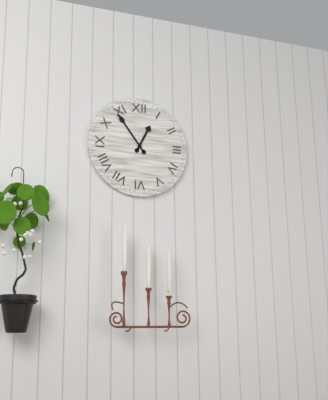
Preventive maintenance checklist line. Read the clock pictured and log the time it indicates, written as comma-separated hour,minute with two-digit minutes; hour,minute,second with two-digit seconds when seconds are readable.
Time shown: 12,54
